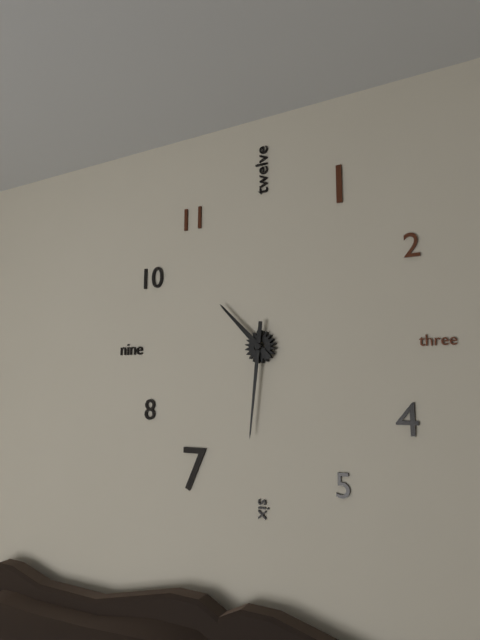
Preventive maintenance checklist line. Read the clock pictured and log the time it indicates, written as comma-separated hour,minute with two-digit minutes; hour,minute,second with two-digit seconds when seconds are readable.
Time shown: 10,31
